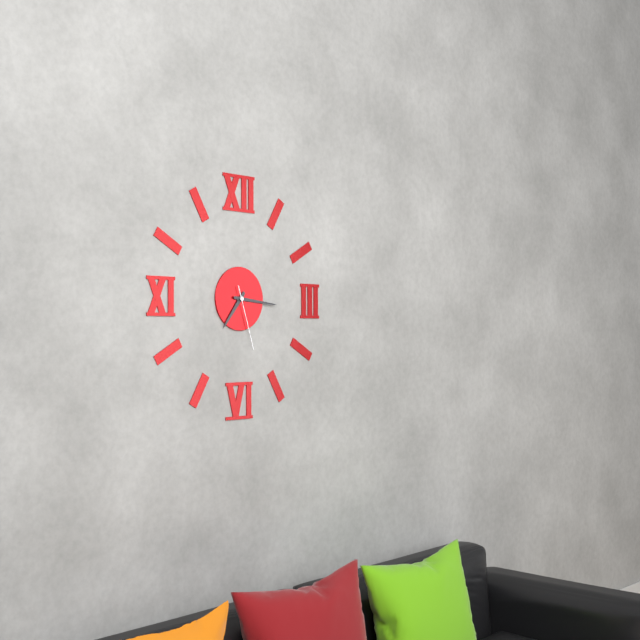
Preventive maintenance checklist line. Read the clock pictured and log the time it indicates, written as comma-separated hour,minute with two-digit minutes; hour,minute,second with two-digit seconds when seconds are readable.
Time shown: 7,16,27
